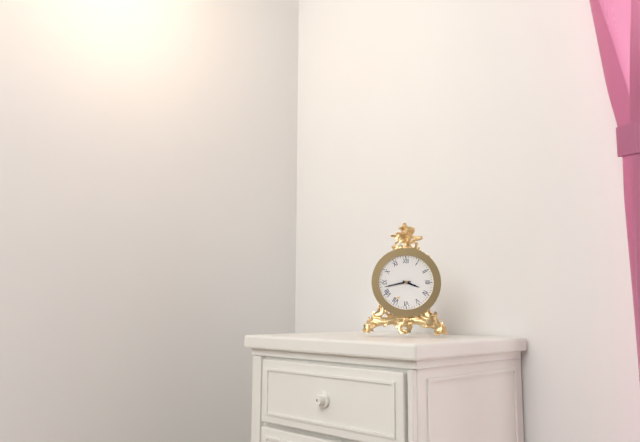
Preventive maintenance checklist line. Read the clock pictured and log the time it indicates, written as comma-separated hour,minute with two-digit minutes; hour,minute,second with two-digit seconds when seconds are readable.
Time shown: 3,43
